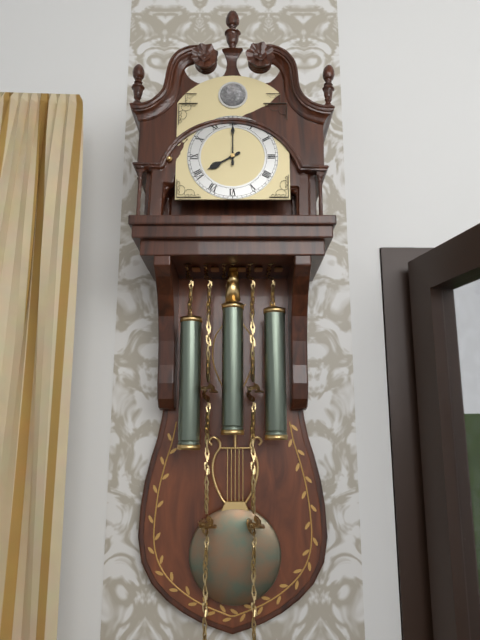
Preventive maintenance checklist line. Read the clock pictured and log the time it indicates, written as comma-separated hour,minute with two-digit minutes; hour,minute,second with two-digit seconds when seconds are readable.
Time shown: 8,00
